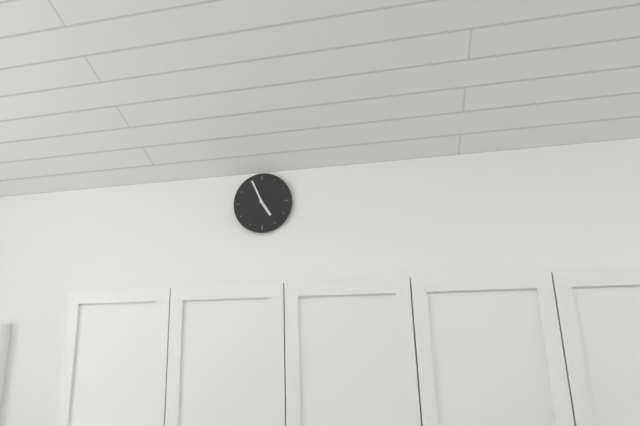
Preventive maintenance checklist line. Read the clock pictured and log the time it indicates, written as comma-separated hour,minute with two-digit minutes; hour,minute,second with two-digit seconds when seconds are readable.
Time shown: 4,56
